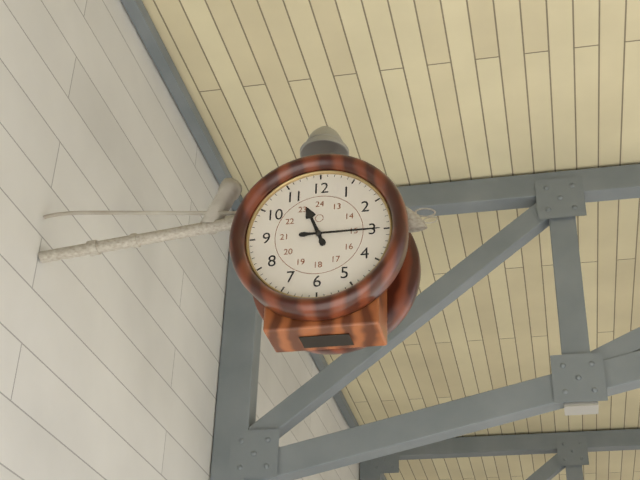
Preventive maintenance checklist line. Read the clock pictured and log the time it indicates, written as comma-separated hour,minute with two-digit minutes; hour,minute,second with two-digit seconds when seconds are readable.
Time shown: 11,15
